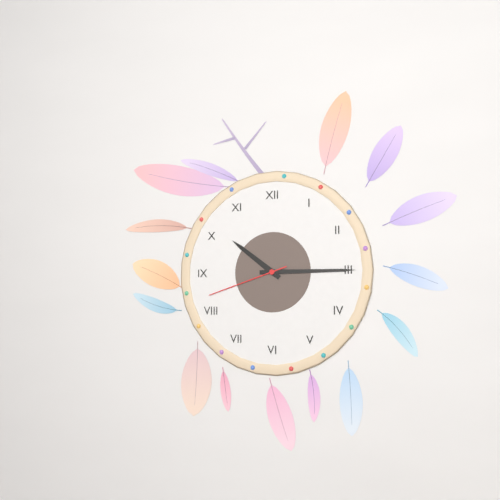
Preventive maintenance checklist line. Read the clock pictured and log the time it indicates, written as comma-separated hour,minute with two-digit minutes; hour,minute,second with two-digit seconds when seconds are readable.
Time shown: 10,15,42
